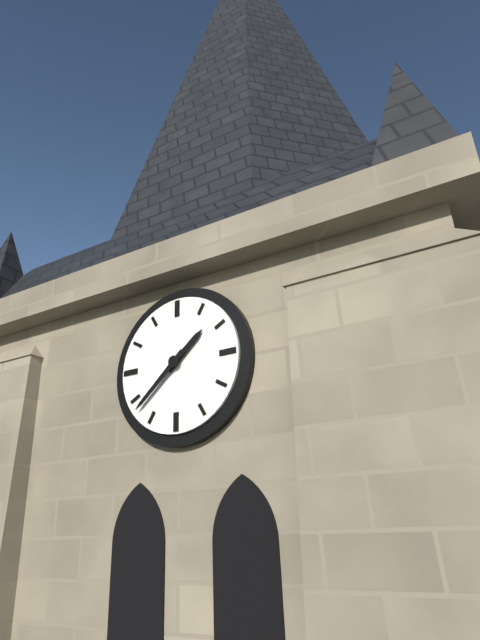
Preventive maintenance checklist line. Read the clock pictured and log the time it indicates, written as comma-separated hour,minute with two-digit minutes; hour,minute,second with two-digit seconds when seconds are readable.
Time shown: 1,38
